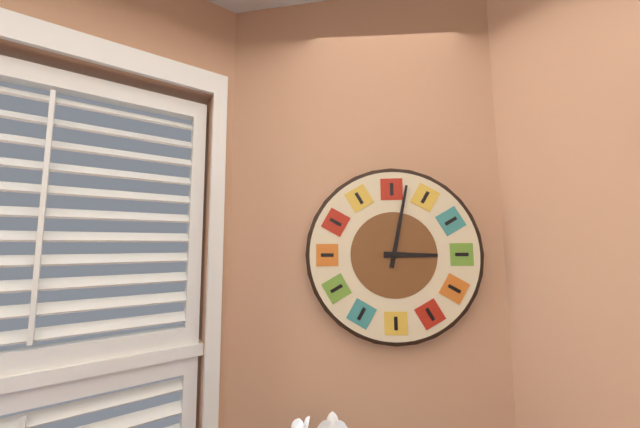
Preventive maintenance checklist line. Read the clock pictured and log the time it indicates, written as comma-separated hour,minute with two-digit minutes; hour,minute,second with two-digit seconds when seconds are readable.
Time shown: 3,02
